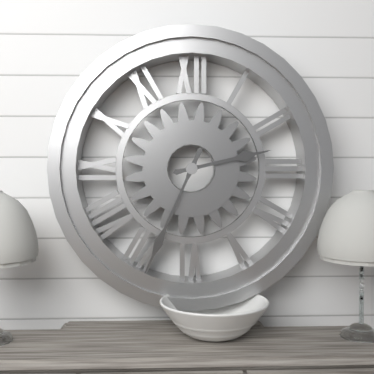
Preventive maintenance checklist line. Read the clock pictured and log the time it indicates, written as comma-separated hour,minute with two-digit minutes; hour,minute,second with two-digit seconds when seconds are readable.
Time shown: 2,34
